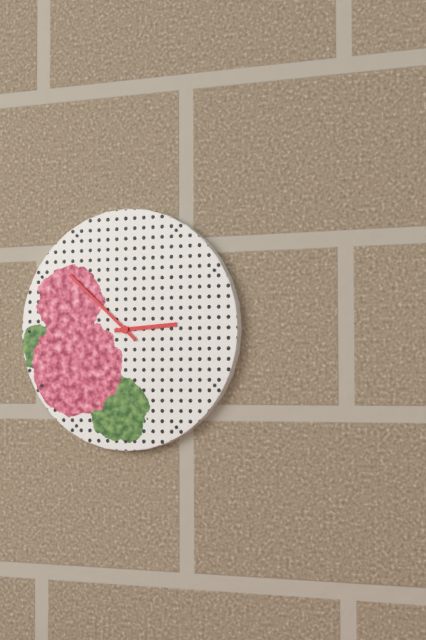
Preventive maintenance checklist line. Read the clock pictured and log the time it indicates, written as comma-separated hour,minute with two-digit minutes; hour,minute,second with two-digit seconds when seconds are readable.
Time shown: 2,52
